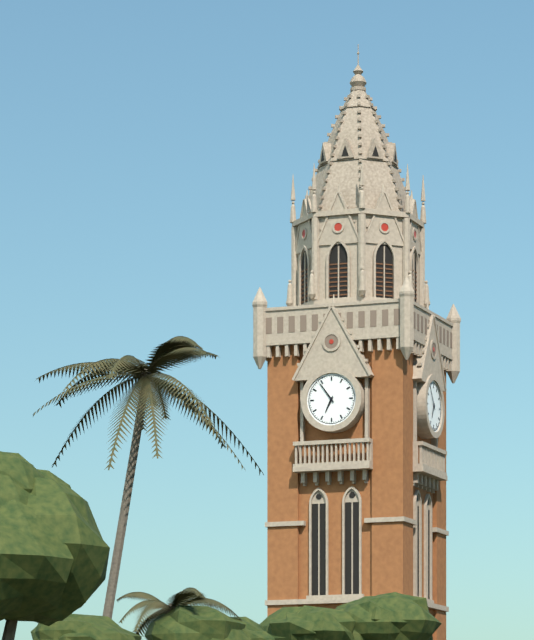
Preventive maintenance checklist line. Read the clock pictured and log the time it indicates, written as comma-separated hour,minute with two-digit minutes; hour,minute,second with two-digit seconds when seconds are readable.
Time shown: 6,54
